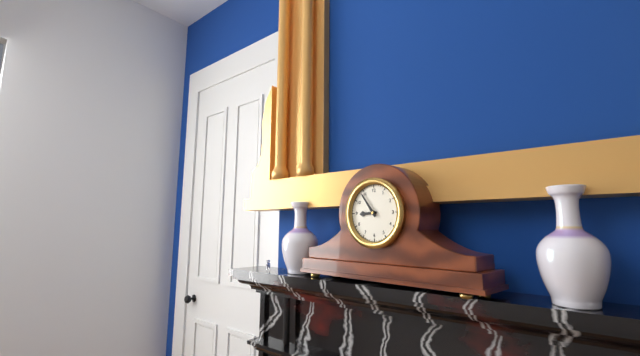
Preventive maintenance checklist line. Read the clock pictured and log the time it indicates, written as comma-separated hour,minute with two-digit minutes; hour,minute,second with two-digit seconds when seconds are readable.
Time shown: 8,54
